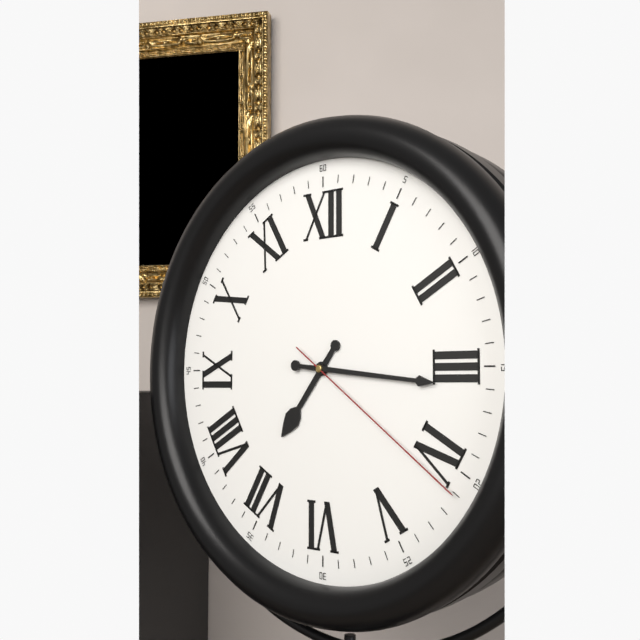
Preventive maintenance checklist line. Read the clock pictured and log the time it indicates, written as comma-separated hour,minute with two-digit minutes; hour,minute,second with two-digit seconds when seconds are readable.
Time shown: 7,16,21
